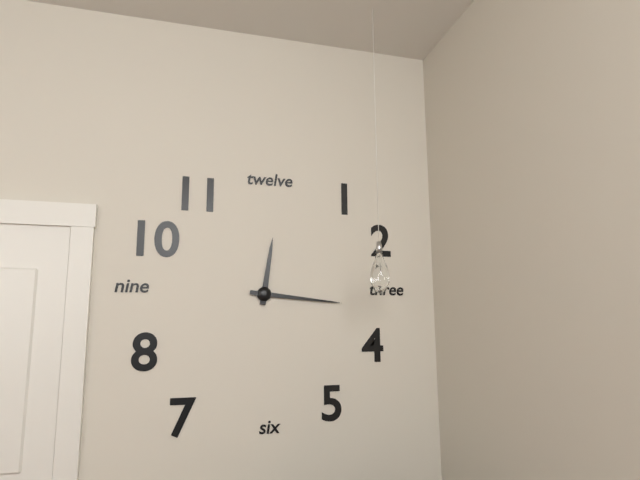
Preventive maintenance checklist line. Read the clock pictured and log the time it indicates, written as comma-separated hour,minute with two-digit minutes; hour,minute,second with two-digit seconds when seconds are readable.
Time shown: 12,16
